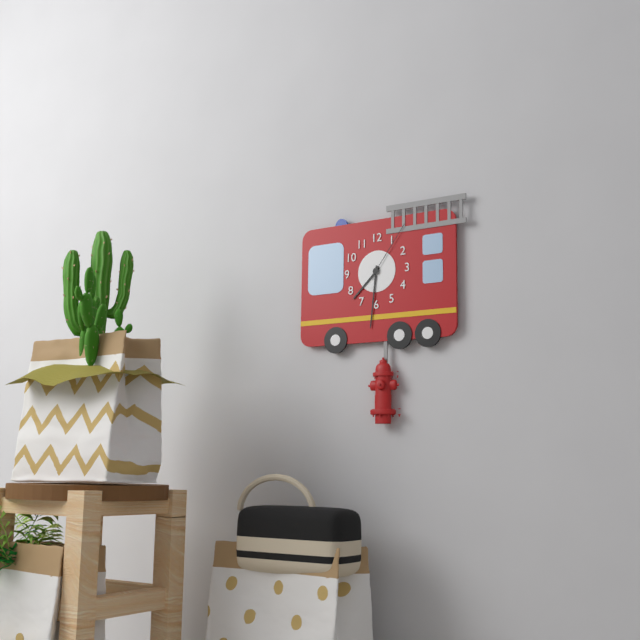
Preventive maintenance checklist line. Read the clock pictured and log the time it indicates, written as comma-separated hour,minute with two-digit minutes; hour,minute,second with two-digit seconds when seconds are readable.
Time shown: 7,31,06
